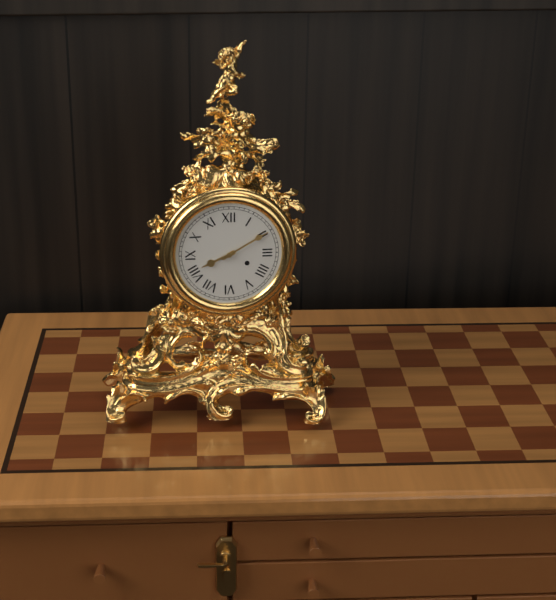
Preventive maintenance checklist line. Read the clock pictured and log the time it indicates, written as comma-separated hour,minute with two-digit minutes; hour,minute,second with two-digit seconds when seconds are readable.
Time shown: 8,10
